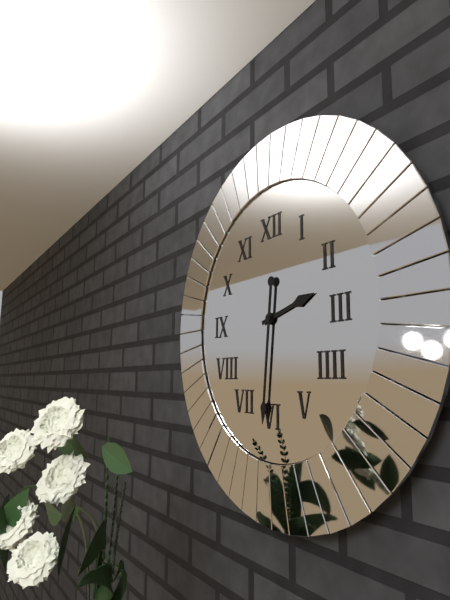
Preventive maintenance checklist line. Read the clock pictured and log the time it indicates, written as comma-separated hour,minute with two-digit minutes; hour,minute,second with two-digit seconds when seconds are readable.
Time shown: 2,31
